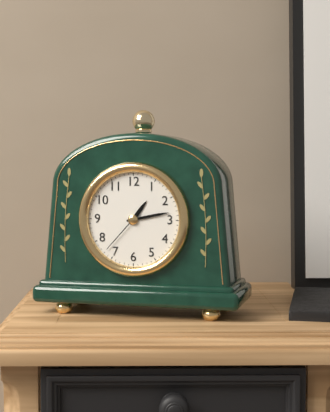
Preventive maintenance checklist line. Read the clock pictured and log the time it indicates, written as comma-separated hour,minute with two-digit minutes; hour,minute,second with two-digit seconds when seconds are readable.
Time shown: 1,13,37
